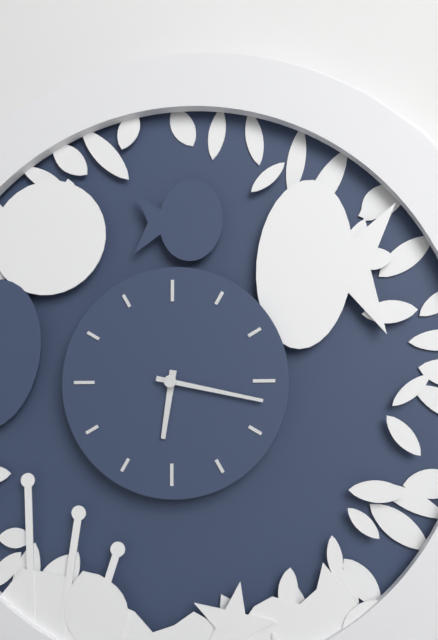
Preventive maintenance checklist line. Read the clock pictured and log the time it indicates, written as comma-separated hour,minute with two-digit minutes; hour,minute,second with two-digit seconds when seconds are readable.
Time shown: 6,17
